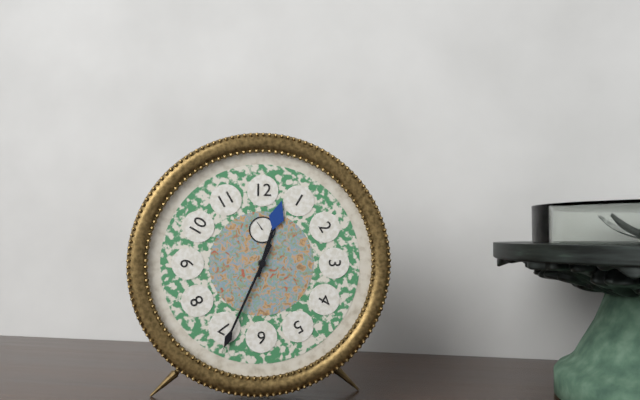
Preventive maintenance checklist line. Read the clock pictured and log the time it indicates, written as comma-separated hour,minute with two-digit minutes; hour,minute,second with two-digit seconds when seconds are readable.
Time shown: 12,34
